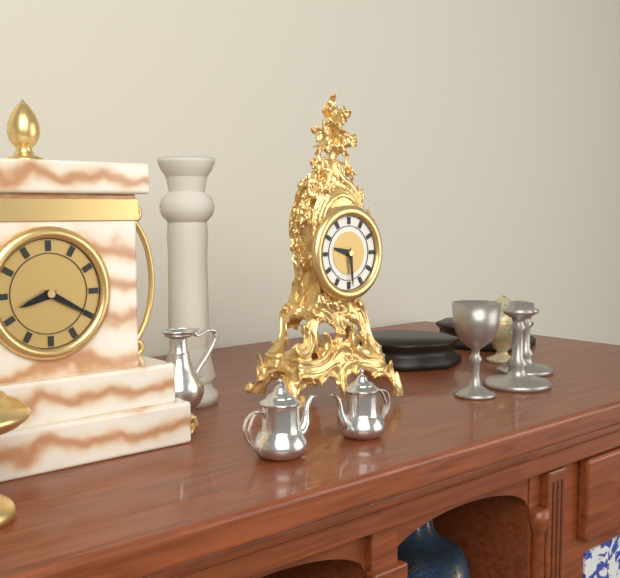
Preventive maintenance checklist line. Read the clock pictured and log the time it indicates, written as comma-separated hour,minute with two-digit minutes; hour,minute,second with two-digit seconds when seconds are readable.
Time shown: 9,29
